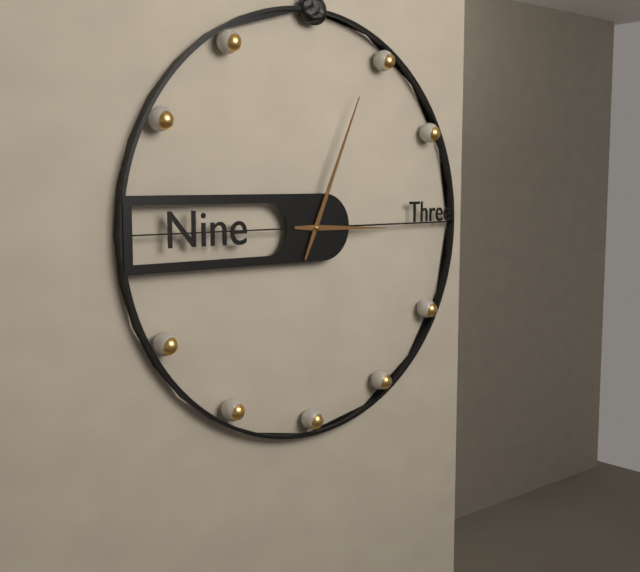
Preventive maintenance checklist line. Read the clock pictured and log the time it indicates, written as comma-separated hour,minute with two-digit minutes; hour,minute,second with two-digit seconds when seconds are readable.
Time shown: 3,04
